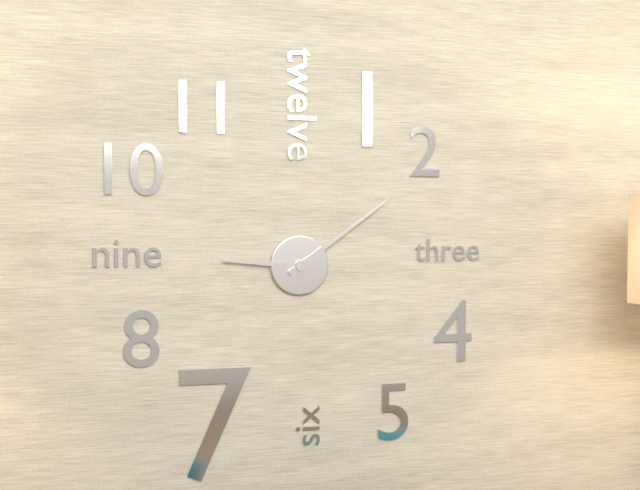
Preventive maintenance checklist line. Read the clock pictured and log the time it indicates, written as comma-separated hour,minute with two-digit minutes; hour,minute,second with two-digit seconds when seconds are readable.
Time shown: 9,09
